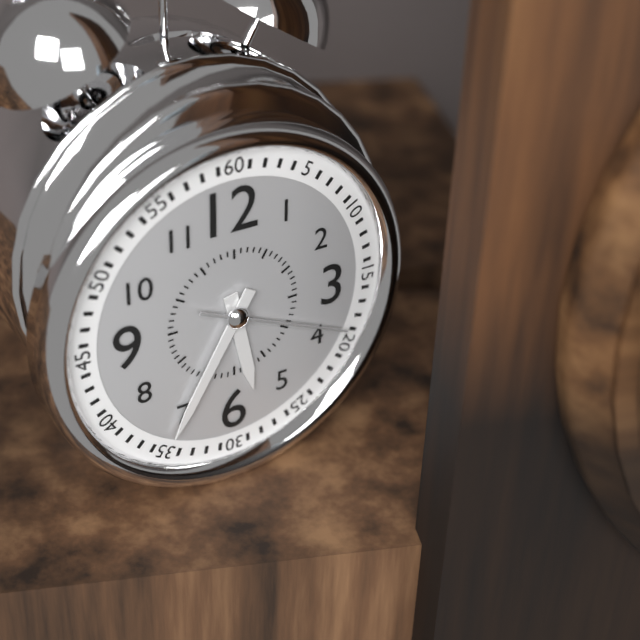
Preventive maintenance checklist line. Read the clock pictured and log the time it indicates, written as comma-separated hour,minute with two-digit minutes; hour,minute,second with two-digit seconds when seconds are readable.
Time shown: 5,35,19
